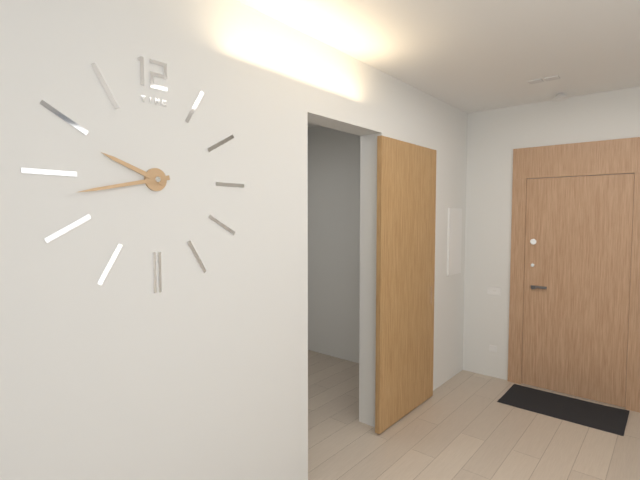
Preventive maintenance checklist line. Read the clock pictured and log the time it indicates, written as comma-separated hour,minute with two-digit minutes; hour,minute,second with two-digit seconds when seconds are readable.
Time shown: 9,43
